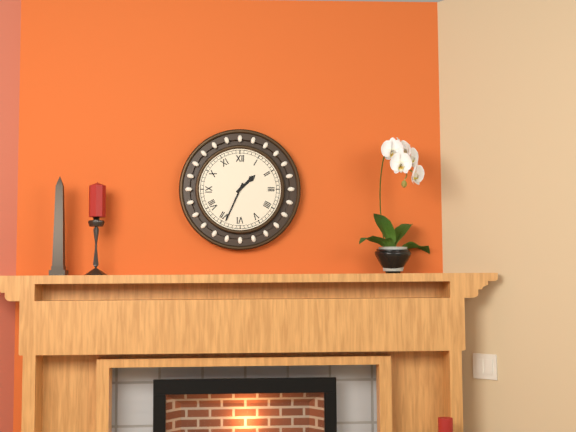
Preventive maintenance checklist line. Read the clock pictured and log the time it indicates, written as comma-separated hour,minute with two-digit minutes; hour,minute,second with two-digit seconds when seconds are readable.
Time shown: 1,34
